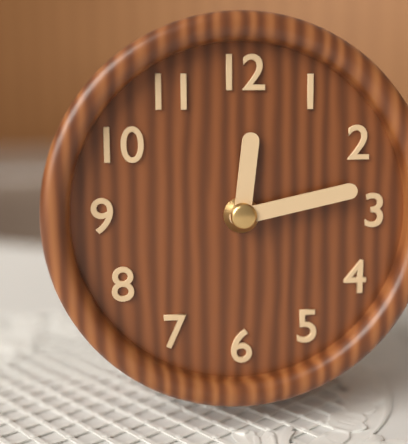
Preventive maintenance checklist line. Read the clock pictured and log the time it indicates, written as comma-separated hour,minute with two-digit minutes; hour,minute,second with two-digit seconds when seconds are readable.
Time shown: 12,13
